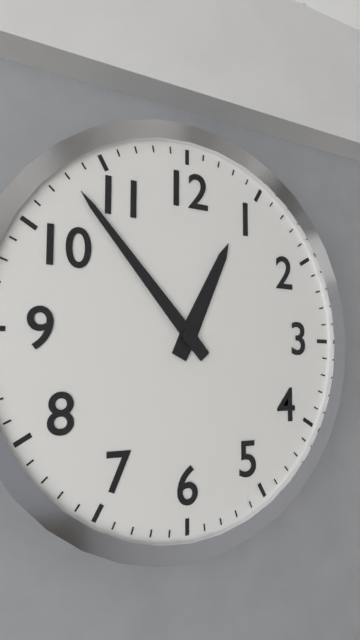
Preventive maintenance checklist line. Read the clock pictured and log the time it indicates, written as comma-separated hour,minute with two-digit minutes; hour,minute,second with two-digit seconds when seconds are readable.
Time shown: 12,53
